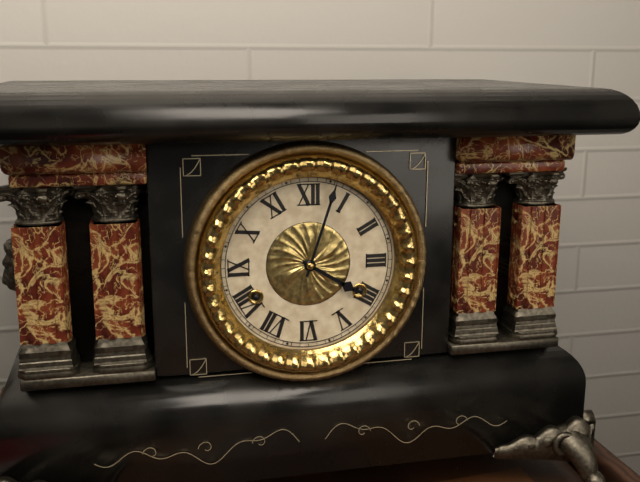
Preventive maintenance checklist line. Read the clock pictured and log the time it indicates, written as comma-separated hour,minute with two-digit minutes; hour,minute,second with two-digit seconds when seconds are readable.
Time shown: 4,03
